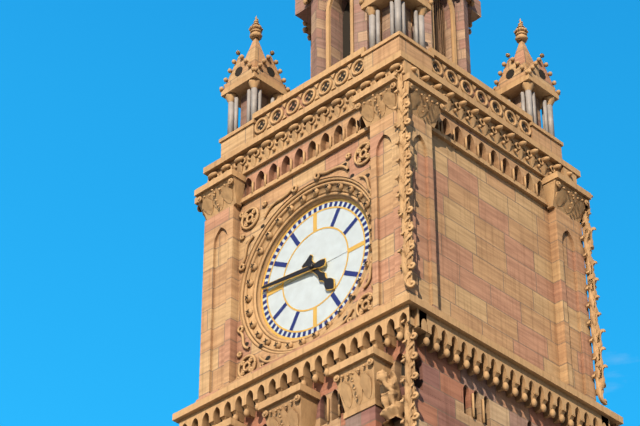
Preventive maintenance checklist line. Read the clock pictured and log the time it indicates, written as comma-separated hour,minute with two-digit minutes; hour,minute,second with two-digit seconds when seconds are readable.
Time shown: 4,46
